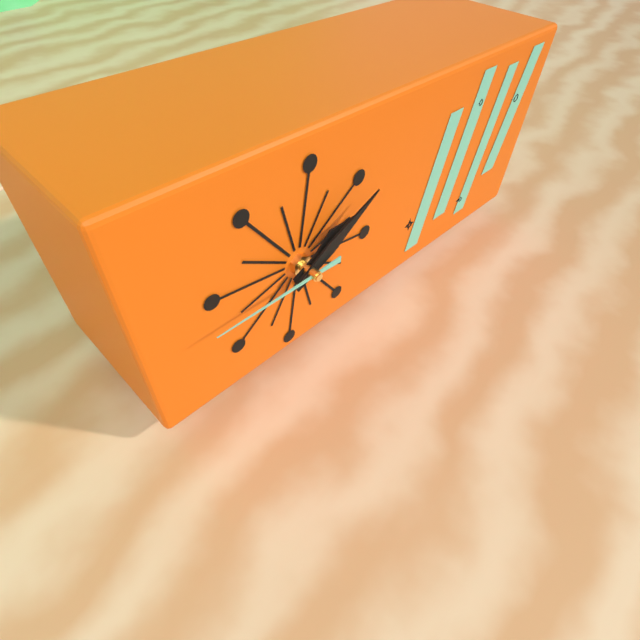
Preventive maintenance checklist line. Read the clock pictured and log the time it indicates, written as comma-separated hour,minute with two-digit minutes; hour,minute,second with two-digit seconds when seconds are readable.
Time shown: 2,10,45
